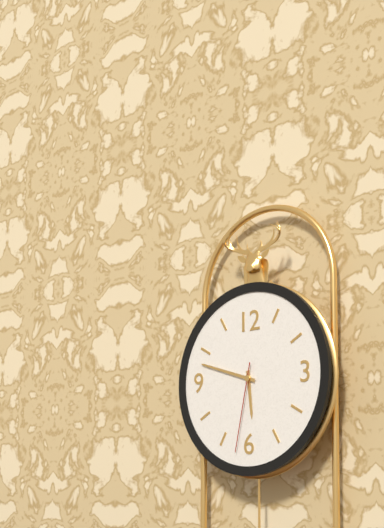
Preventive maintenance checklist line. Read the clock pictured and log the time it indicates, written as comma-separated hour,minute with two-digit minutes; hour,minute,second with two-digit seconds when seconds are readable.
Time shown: 5,48,32
